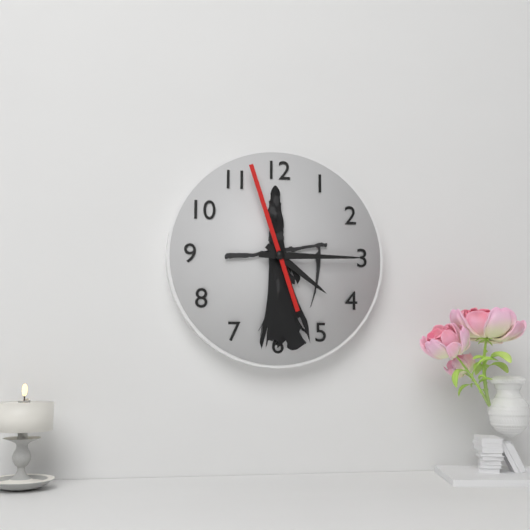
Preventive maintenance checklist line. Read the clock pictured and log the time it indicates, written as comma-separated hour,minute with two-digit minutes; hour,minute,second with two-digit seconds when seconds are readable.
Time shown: 4,15,57
